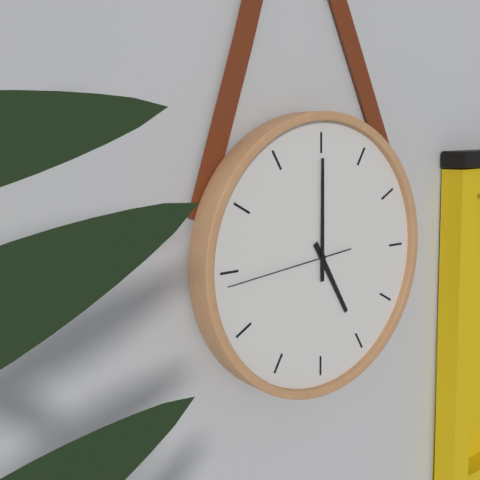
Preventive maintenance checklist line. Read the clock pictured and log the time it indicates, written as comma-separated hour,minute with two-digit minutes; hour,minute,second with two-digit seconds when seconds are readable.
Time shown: 5,00,44
